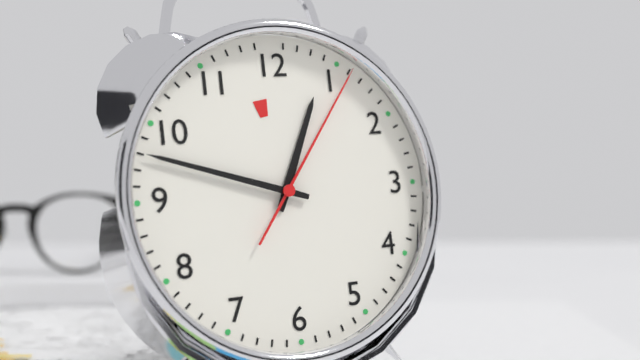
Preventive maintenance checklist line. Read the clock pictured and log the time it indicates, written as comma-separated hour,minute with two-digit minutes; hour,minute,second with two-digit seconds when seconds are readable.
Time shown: 12,48,06
